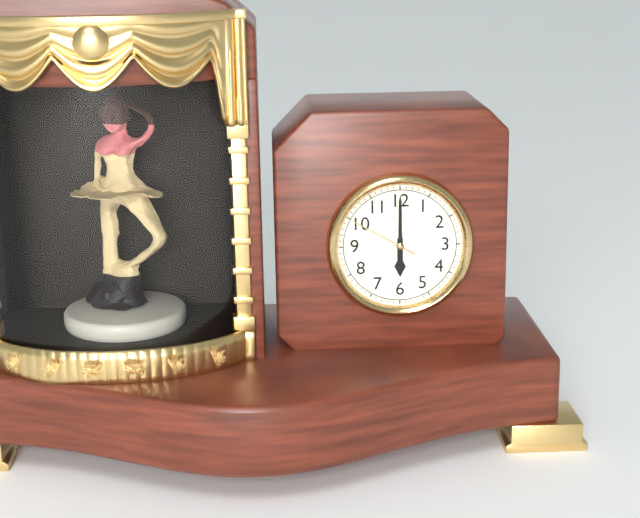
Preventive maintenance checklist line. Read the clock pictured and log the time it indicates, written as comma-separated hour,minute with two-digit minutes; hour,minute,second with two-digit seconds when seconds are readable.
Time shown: 6,00,50
